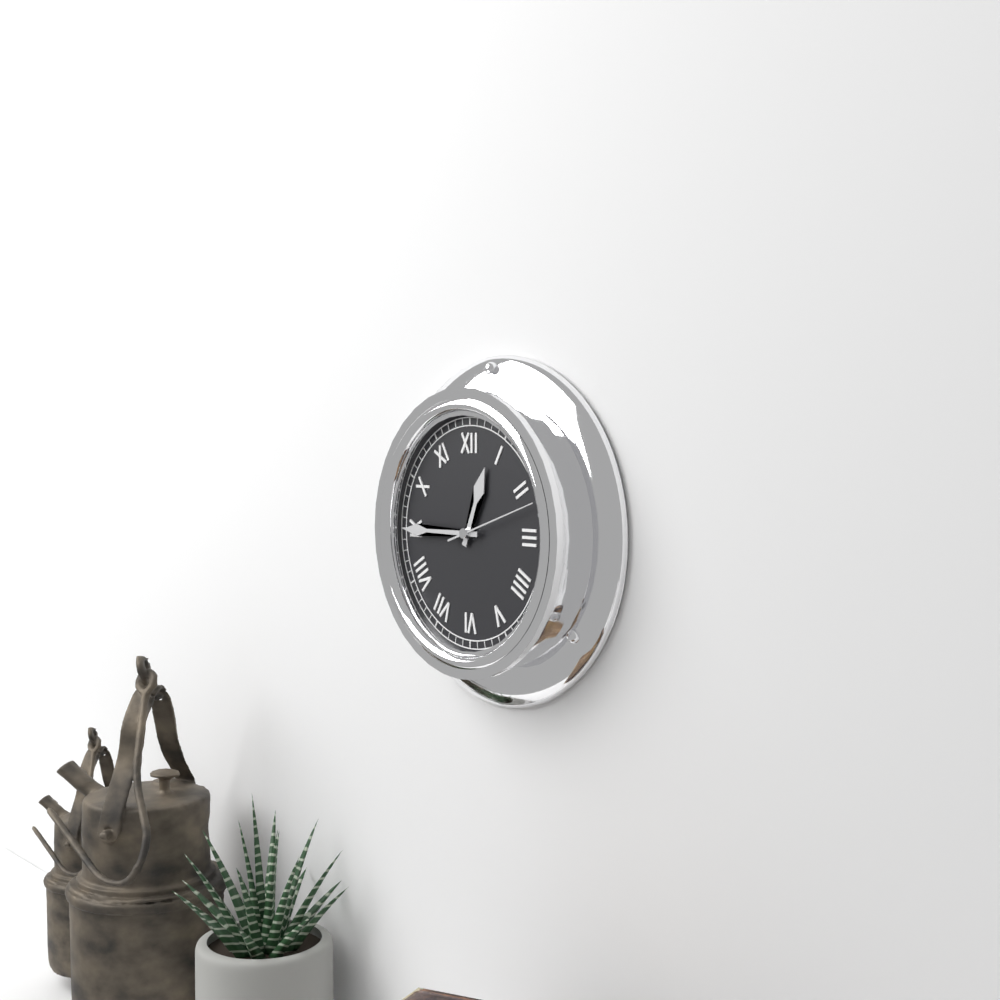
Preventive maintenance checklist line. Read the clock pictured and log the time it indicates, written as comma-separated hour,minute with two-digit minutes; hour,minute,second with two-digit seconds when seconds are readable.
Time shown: 12,45
